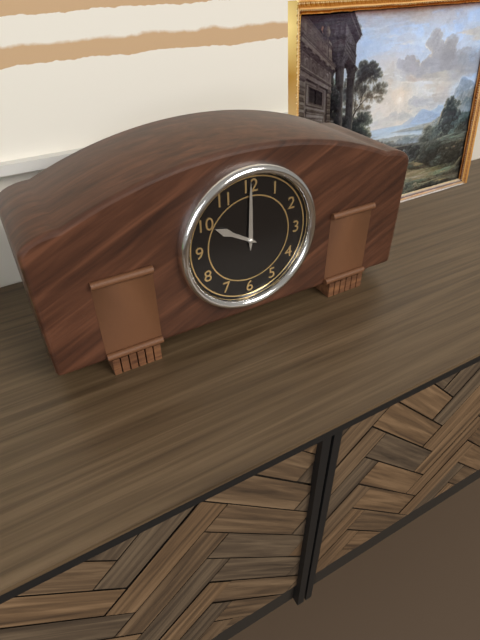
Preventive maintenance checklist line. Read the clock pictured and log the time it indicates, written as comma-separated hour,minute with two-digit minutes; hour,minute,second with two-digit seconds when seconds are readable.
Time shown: 10,00
